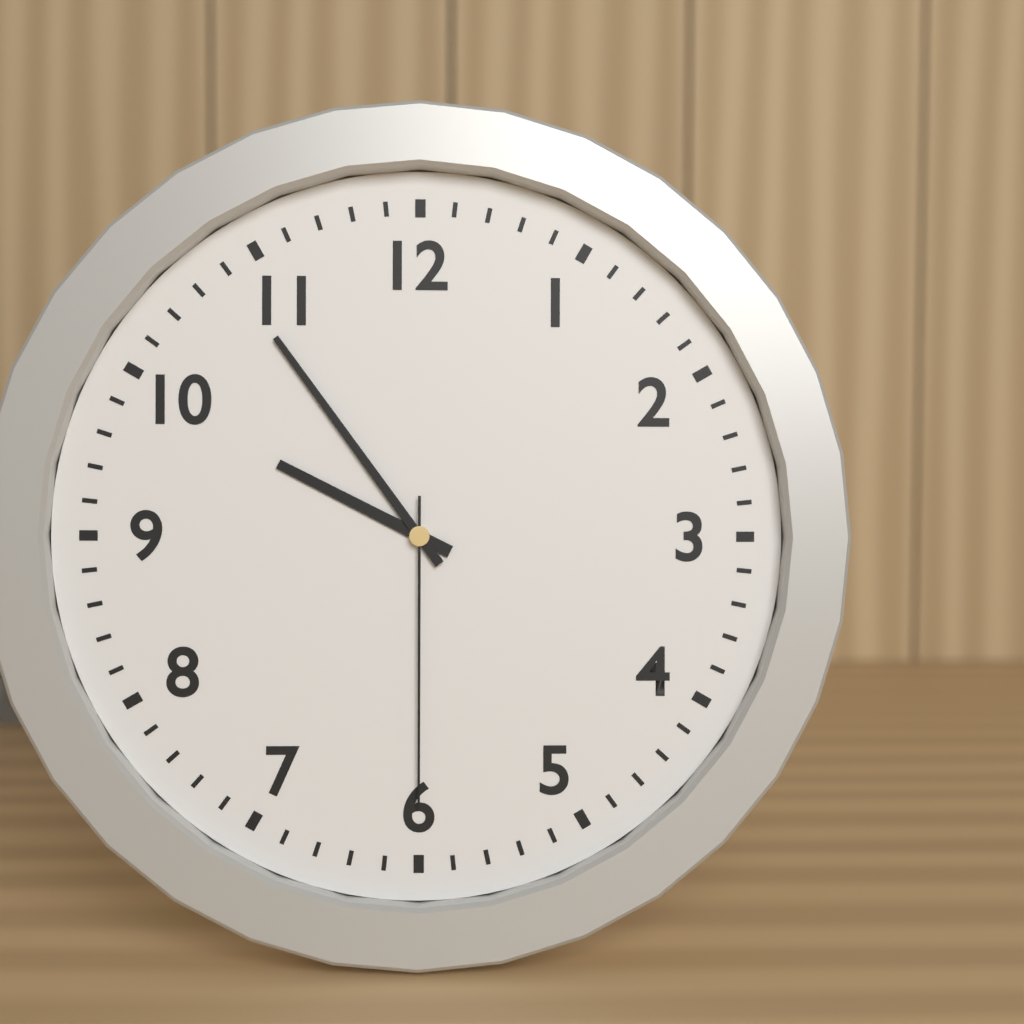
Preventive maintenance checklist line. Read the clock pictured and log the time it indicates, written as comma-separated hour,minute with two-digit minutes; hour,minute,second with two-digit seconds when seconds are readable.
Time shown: 9,54,30
